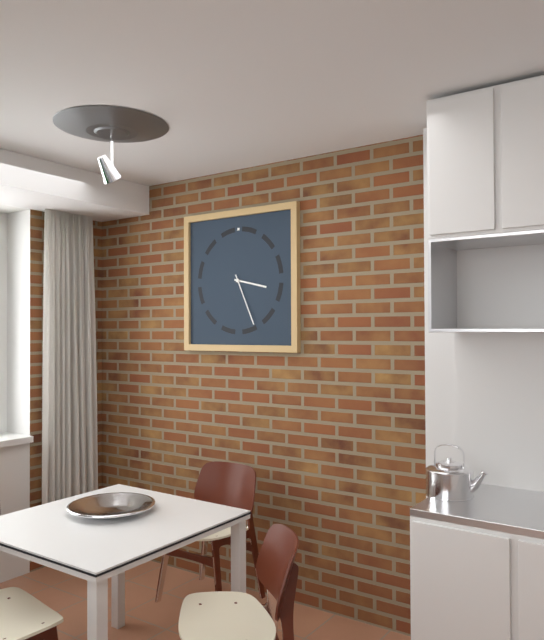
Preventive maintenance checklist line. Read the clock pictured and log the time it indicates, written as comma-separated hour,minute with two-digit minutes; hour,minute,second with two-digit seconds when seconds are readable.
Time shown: 3,26
